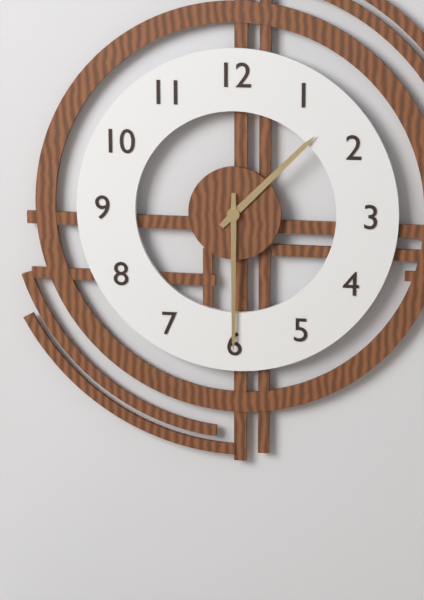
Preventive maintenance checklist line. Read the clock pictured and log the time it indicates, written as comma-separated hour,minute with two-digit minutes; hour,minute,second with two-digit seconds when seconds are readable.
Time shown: 1,30
